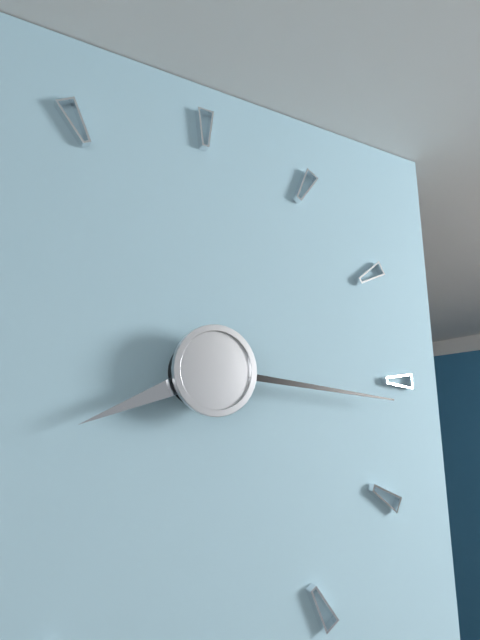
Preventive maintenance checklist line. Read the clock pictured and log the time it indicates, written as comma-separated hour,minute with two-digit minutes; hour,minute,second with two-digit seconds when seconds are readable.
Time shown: 8,16
